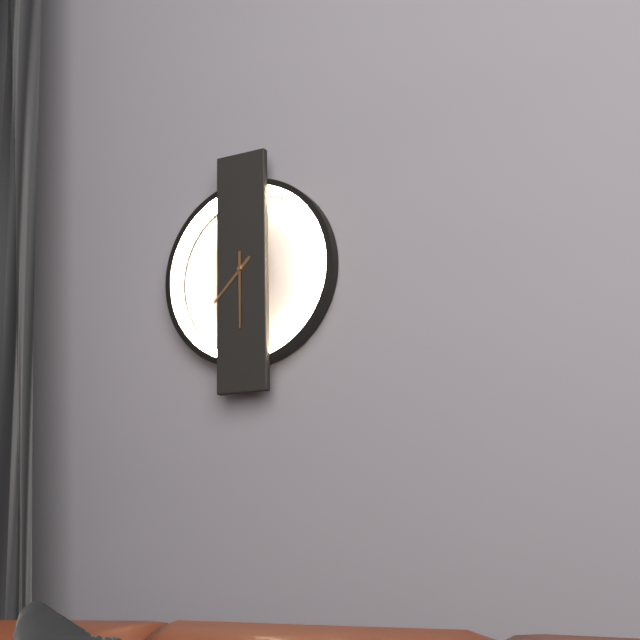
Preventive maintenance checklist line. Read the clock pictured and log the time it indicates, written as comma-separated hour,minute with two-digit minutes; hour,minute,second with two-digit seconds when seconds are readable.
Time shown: 7,30
